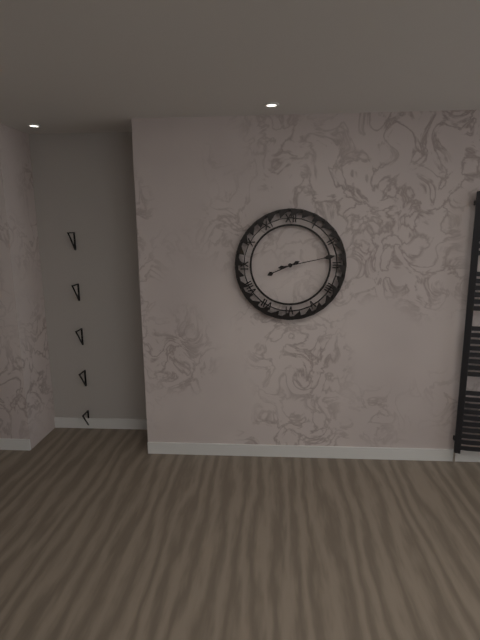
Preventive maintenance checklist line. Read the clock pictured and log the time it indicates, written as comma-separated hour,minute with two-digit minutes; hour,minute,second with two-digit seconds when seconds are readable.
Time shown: 8,13
